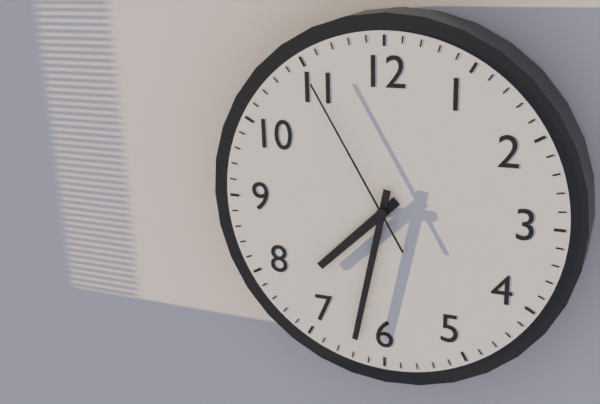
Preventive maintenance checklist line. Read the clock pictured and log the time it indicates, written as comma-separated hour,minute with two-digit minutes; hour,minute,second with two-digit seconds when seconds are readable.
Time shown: 7,32,55
